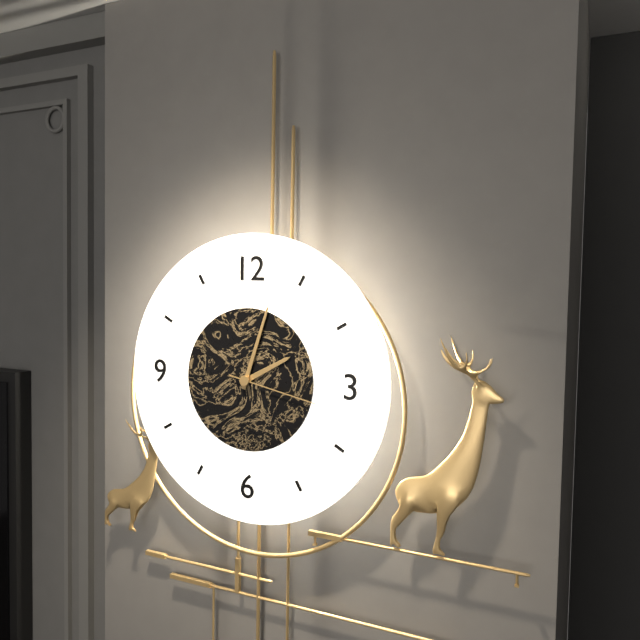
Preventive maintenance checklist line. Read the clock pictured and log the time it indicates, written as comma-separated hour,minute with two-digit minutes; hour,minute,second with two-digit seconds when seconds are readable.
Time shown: 2,03,17
